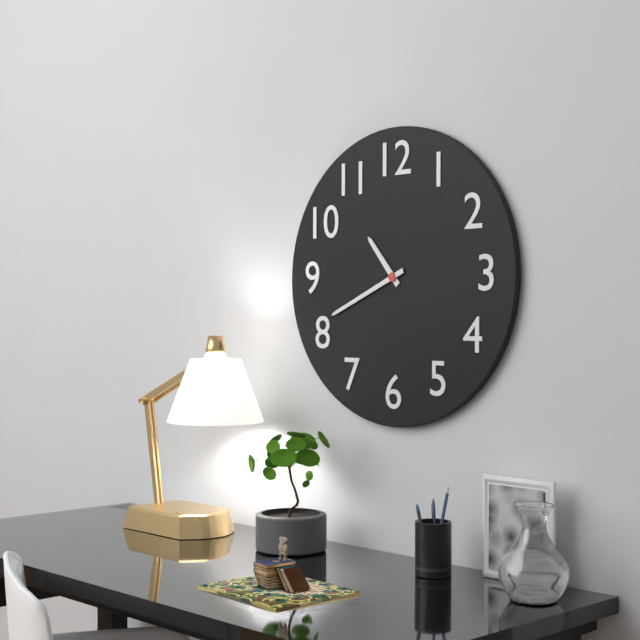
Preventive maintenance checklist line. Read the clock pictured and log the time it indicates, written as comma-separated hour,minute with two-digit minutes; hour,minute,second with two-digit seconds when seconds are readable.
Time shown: 10,41
